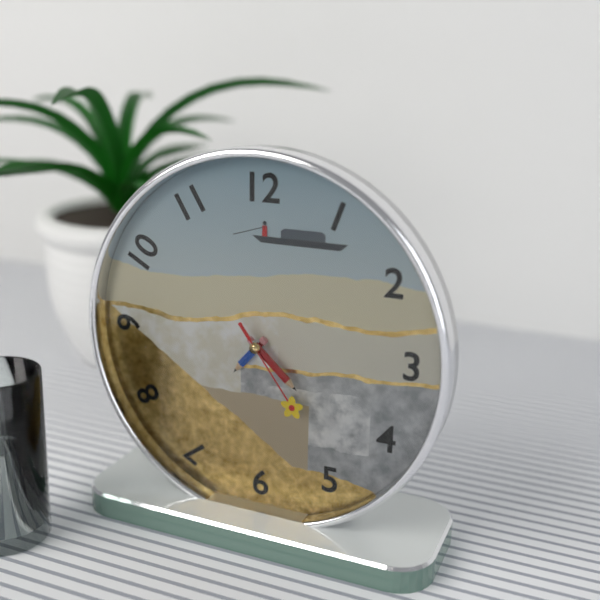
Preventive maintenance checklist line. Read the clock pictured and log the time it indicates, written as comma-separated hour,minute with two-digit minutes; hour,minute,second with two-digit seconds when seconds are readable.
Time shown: 7,22,24
